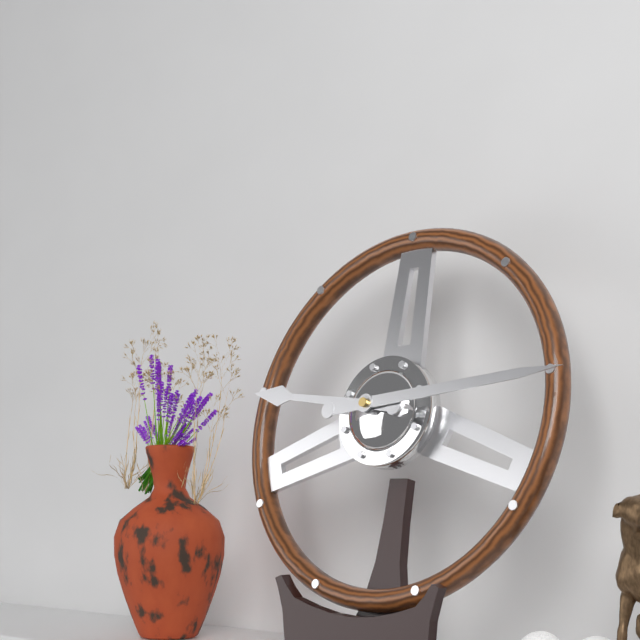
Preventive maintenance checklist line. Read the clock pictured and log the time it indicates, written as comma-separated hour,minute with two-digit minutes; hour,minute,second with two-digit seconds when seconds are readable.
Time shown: 9,14
